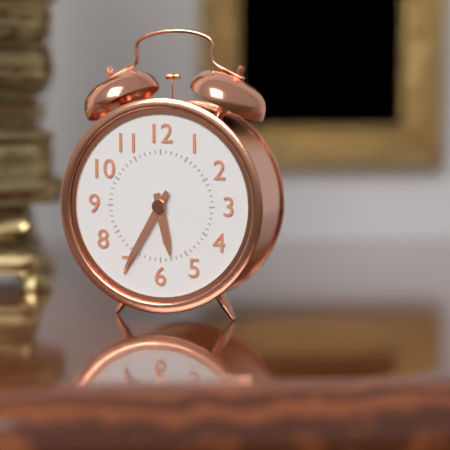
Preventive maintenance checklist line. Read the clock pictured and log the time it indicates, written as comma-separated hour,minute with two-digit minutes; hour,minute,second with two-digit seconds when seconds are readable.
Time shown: 5,35
